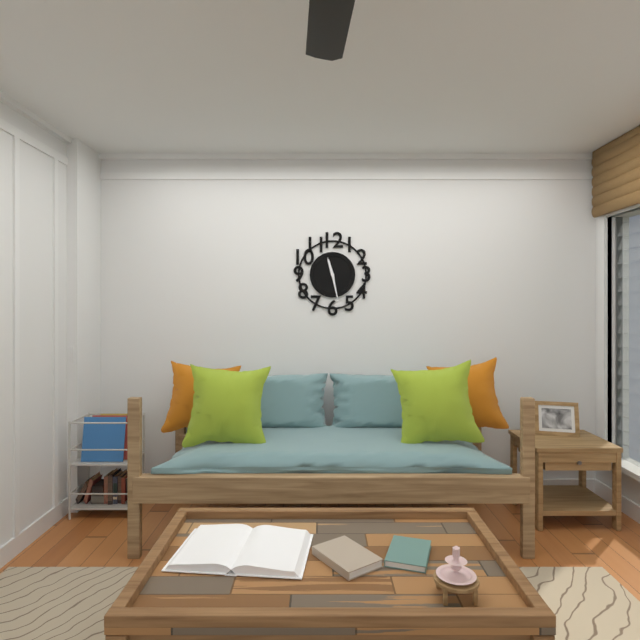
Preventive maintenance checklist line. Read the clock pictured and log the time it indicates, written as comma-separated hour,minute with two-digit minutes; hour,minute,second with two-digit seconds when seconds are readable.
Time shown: 11,28
